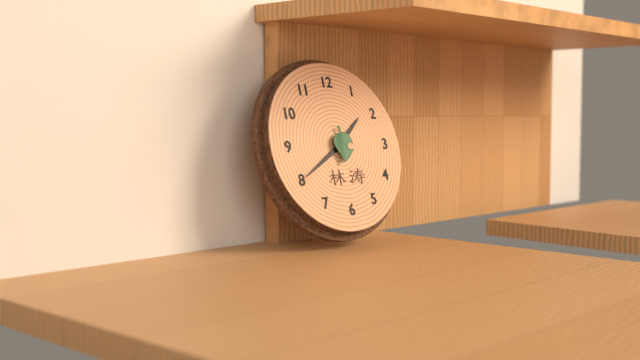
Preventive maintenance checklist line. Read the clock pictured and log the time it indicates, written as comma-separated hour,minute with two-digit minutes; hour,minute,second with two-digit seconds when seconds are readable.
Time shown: 1,40
